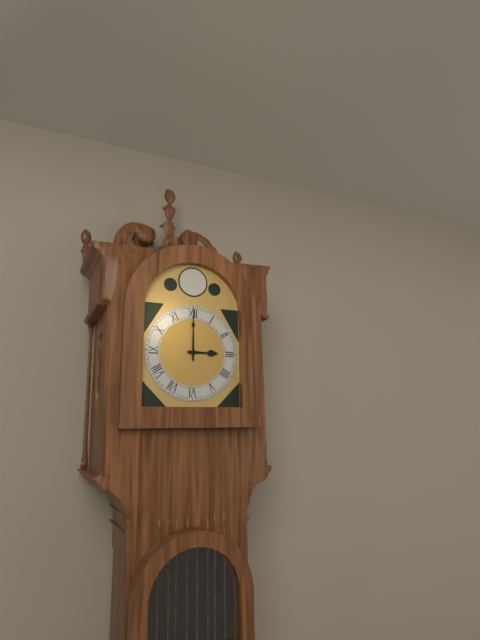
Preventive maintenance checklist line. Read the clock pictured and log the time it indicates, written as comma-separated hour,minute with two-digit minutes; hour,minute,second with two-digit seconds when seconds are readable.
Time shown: 3,00
